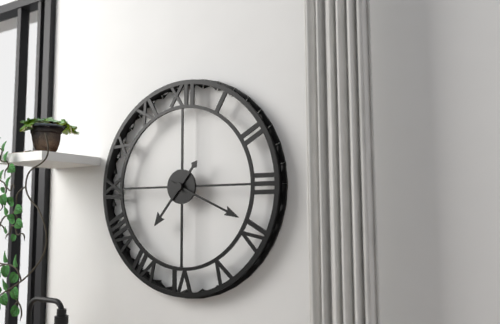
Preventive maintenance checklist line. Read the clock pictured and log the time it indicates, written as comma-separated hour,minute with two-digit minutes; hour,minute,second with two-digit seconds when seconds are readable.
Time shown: 7,19
